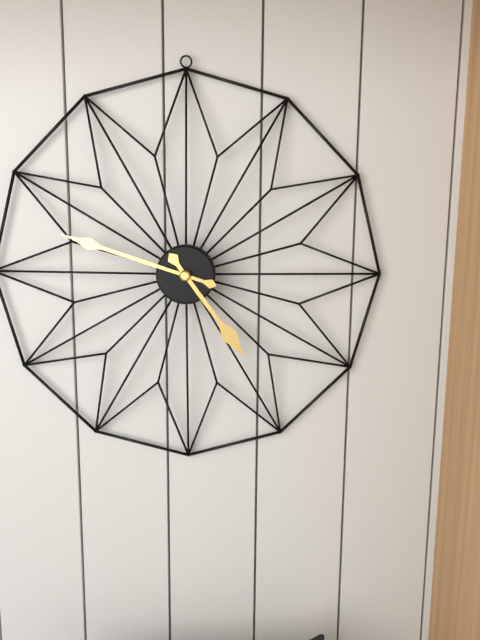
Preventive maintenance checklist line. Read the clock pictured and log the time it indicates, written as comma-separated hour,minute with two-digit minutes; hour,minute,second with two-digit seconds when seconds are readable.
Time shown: 4,48
